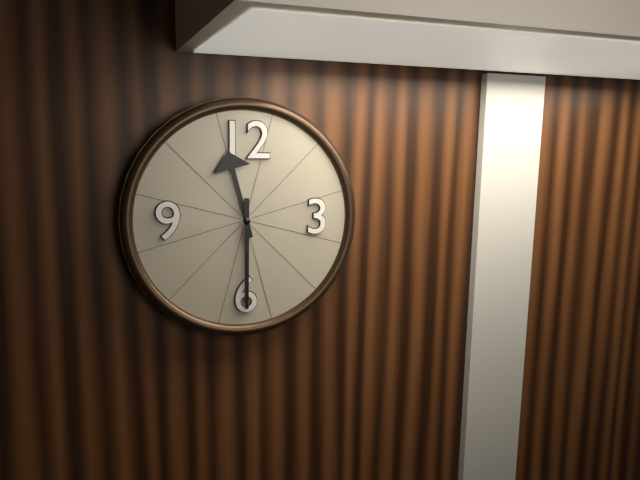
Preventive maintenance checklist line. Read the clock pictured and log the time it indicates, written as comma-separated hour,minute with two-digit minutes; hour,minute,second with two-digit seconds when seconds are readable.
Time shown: 11,30
